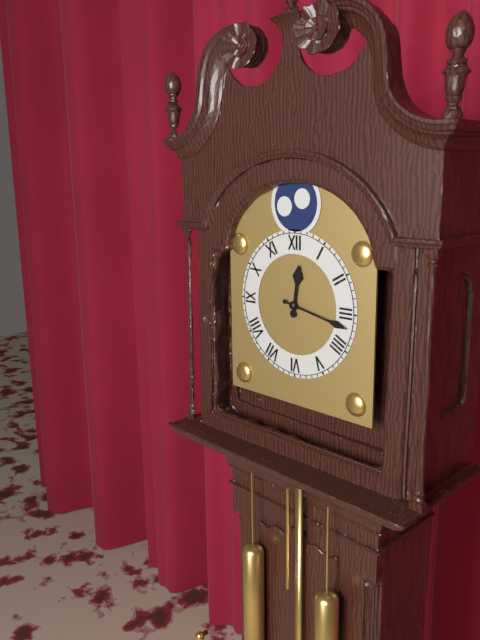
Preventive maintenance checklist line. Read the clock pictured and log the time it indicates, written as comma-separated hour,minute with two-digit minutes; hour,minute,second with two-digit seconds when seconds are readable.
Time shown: 12,17
